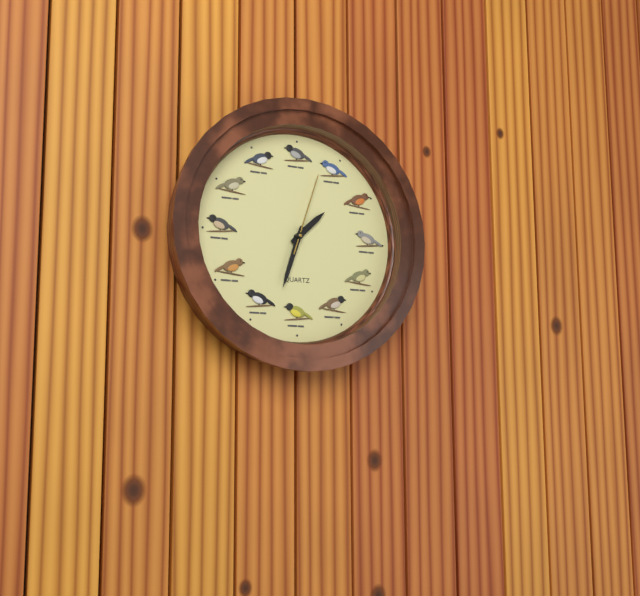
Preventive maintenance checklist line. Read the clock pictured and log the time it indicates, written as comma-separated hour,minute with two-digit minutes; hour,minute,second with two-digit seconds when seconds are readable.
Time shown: 1,33,03
